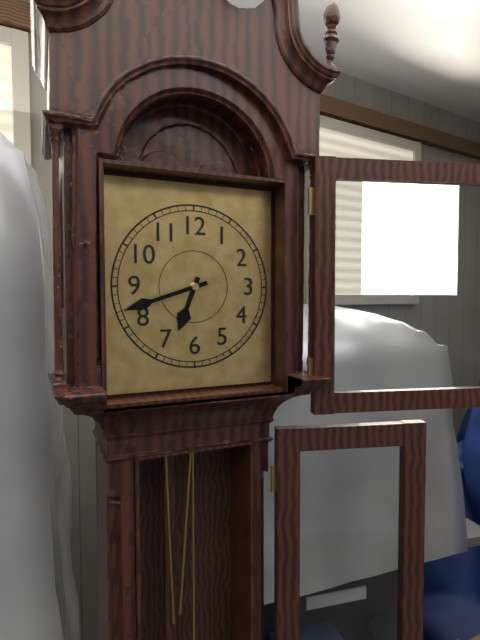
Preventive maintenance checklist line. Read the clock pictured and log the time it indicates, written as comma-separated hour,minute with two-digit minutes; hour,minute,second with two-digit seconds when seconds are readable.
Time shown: 6,42
